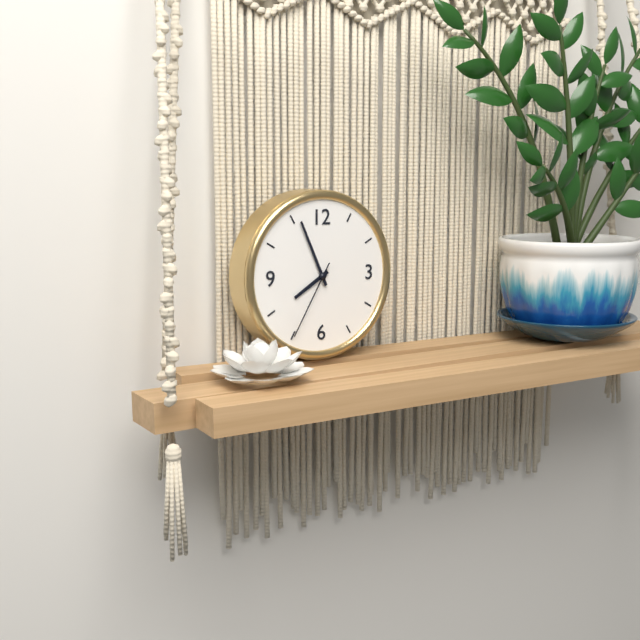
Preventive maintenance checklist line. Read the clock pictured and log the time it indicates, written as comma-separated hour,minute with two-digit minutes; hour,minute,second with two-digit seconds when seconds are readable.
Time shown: 7,56,35
